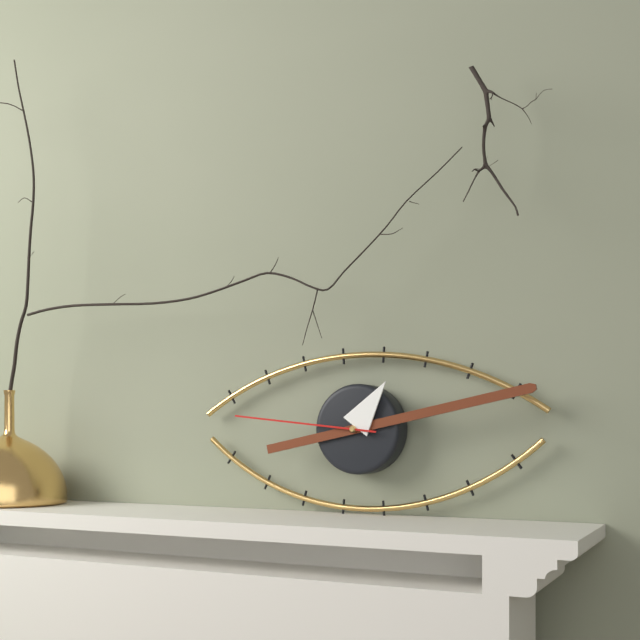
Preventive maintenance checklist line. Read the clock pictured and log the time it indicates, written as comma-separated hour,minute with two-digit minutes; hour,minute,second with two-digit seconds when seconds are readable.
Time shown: 1,13,46
